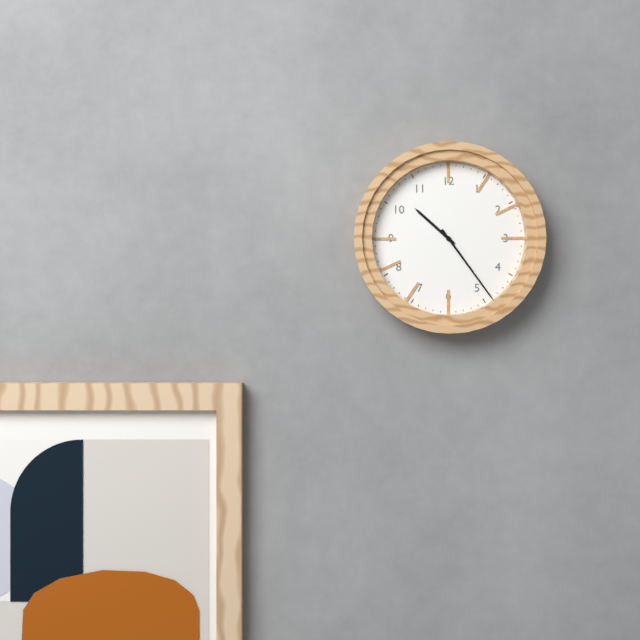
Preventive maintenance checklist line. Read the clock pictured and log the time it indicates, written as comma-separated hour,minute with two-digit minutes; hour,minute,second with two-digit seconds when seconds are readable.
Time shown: 10,24
